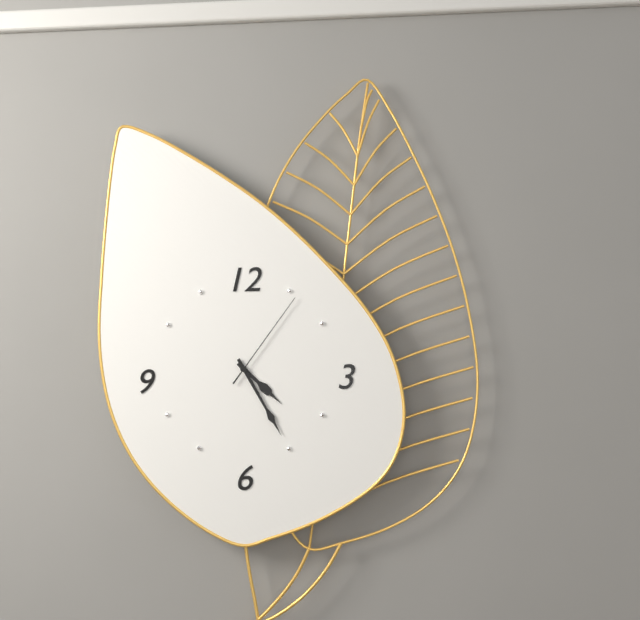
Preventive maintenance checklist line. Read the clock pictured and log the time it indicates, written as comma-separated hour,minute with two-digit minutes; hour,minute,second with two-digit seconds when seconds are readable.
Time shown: 4,25,06
